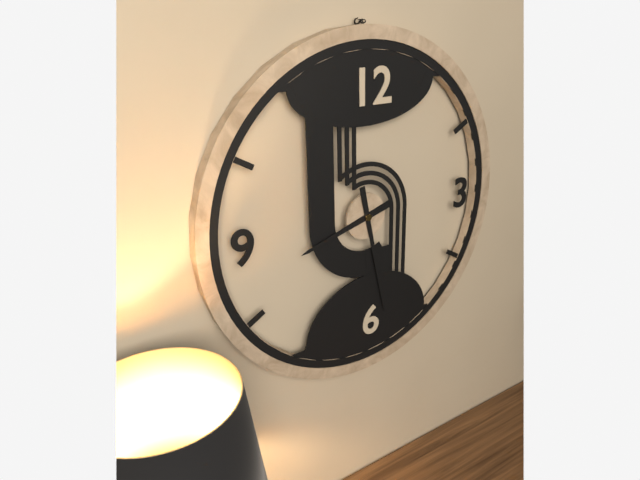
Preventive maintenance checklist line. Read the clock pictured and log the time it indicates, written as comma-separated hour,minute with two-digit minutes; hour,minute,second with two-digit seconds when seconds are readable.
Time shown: 8,28
